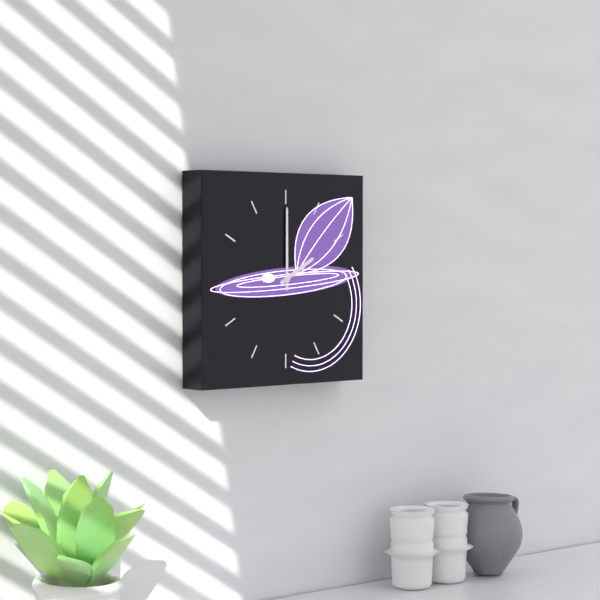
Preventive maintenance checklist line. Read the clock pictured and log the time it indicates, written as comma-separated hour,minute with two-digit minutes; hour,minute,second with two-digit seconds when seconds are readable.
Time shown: 2,00
